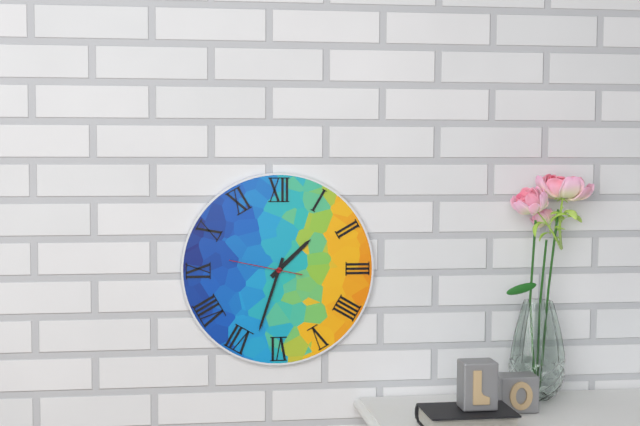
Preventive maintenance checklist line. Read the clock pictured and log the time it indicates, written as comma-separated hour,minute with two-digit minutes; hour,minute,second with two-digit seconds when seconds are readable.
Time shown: 1,33,47
